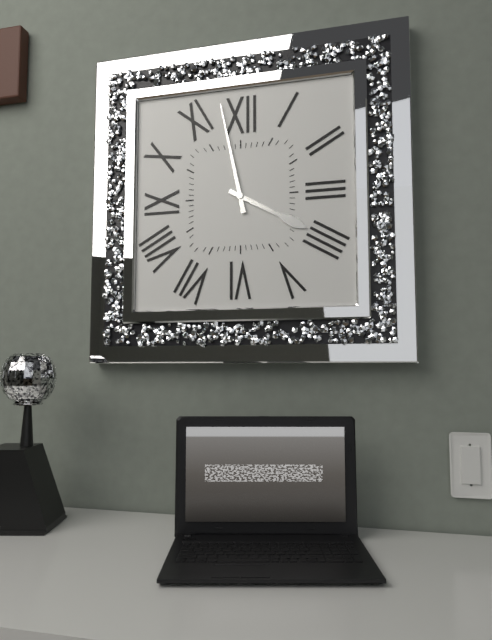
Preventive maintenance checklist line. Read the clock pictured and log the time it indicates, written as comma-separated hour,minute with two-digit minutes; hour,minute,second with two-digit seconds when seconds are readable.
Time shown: 3,58
